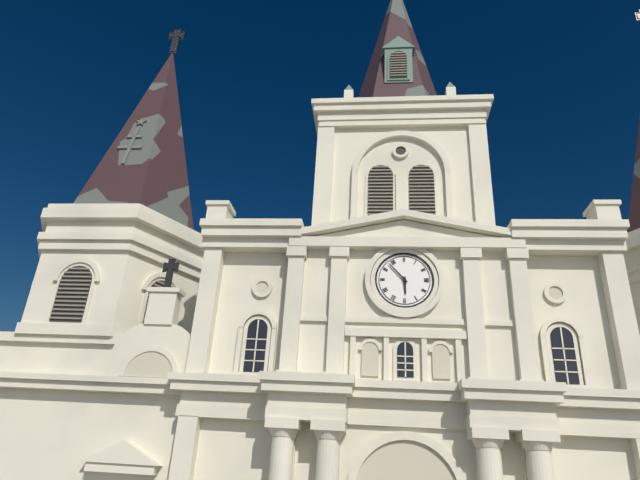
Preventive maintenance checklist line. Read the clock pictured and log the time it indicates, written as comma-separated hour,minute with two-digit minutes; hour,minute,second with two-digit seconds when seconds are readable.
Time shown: 5,53
